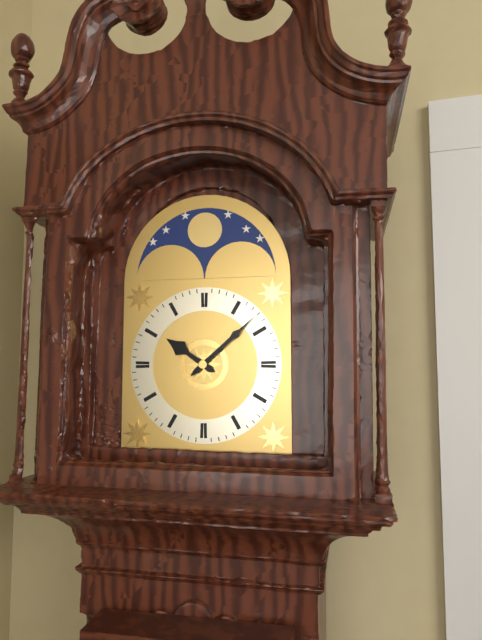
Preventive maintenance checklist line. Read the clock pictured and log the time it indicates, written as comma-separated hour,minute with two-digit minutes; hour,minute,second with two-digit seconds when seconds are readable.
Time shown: 10,08
